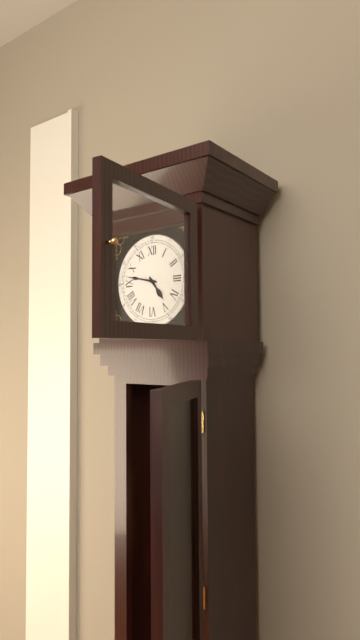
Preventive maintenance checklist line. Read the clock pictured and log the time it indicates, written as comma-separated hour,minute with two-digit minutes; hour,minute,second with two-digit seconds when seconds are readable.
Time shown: 4,47
